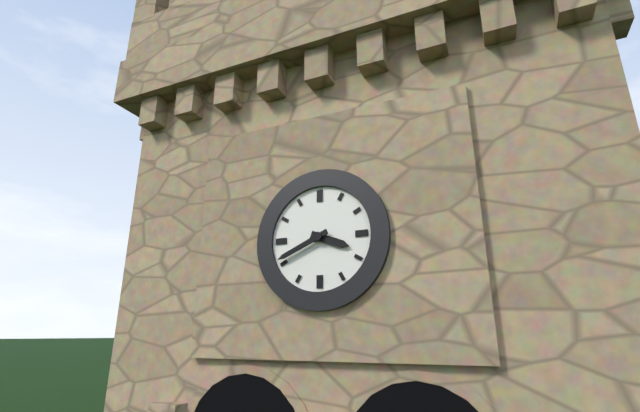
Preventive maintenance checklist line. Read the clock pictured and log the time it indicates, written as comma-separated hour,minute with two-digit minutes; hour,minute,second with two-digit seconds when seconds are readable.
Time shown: 3,41
